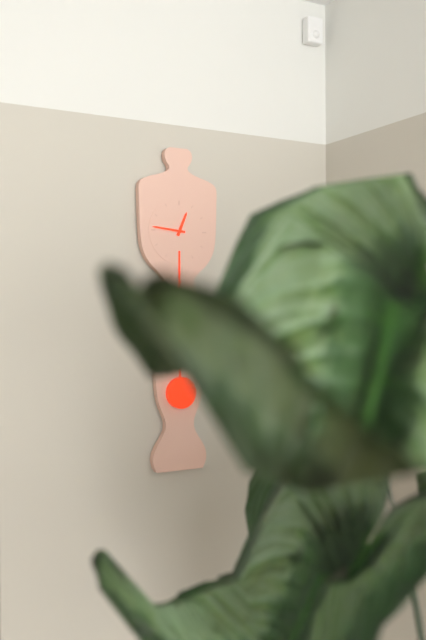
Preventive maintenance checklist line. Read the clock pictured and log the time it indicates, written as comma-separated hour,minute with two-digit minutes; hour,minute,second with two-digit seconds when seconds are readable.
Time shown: 12,46
